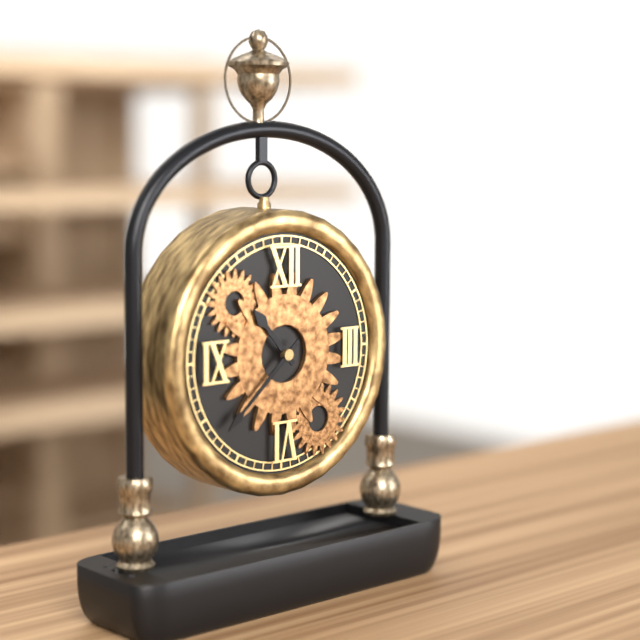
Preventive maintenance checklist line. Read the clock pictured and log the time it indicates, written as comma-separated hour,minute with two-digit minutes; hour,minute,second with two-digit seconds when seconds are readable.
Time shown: 10,38
